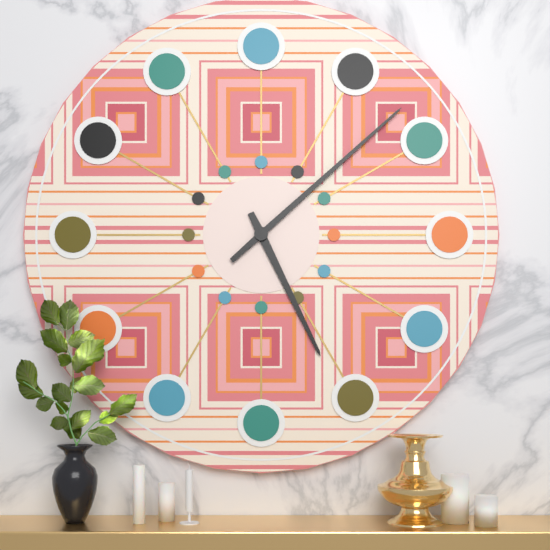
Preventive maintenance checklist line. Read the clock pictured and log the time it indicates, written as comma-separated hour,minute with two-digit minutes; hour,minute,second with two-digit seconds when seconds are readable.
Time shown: 5,08
